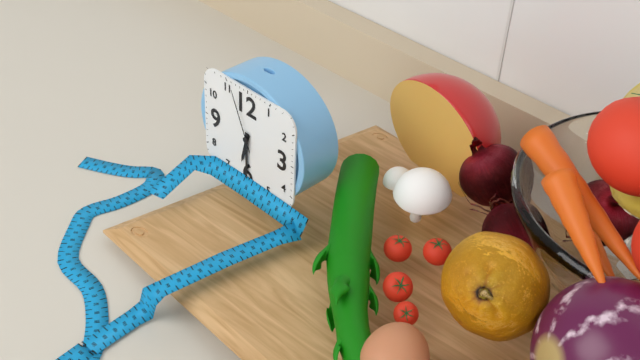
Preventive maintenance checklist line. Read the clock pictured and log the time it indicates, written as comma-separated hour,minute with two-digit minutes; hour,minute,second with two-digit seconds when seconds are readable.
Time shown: 6,30,56
